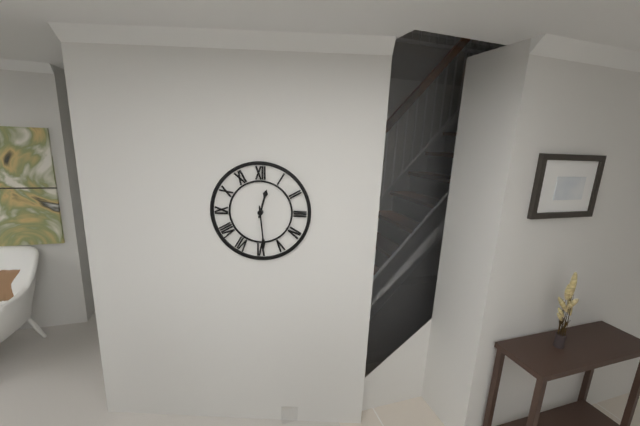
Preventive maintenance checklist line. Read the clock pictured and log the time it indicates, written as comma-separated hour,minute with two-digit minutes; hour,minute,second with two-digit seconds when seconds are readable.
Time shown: 12,29
